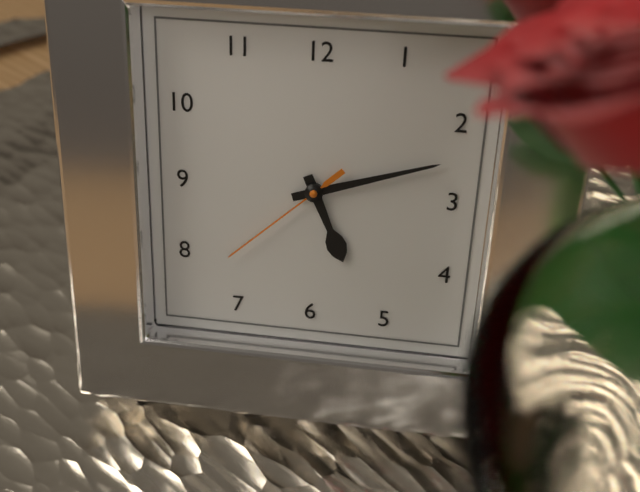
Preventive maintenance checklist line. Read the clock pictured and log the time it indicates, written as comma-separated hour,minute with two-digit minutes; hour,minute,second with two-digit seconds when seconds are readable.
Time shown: 5,12,38
